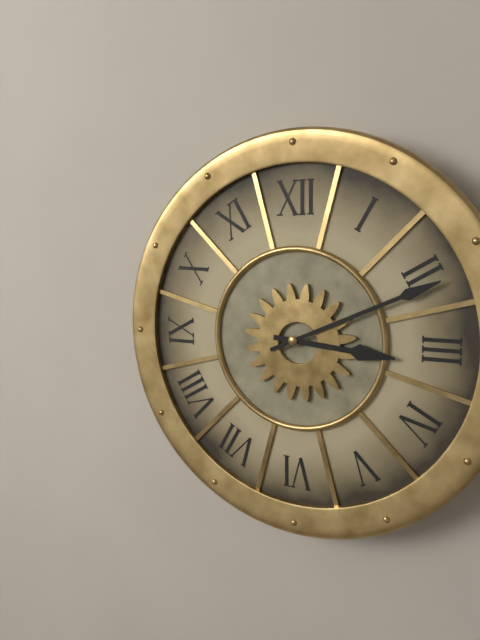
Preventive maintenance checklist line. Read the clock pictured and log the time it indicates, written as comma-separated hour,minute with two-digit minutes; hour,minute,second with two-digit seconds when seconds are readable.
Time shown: 3,11
